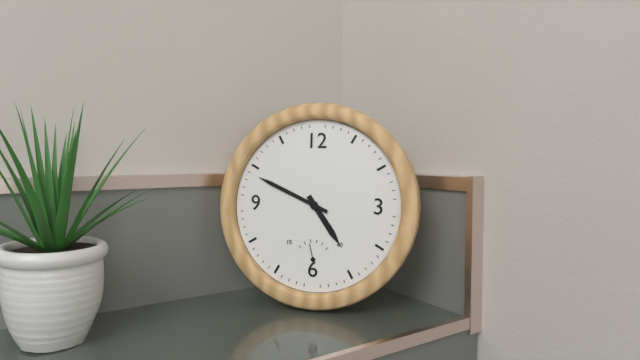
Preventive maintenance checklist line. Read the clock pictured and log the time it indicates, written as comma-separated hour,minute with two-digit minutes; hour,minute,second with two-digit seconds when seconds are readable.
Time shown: 4,49
